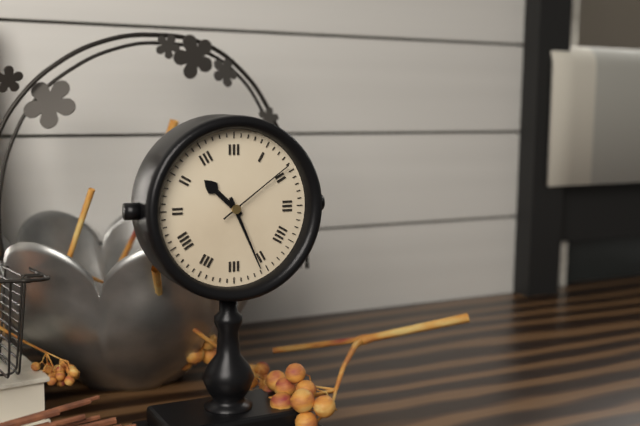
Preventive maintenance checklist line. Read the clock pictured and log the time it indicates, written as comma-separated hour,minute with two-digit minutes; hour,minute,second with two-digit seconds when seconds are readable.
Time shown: 10,26,09
